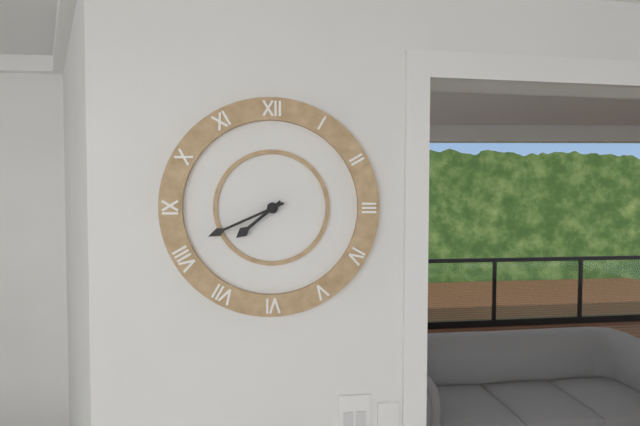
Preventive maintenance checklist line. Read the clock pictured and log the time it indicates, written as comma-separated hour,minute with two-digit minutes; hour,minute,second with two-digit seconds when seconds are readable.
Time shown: 7,41
